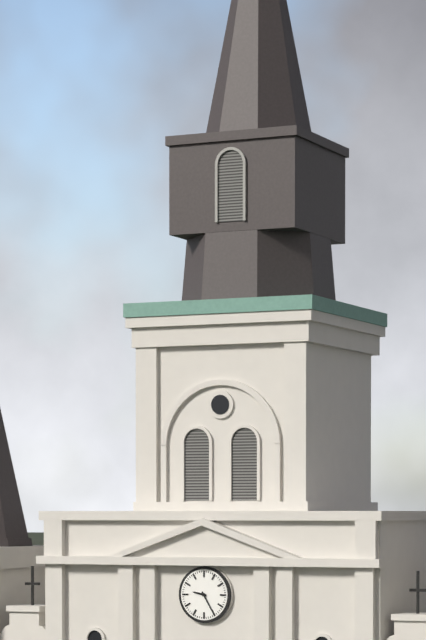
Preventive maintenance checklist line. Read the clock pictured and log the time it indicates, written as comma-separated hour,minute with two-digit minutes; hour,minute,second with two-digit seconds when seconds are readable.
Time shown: 9,25
